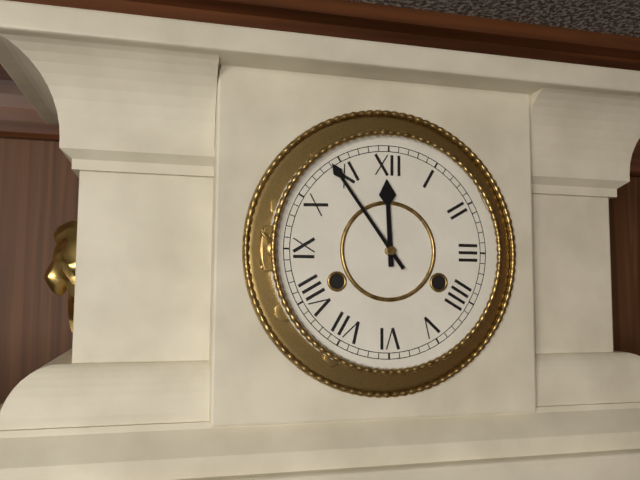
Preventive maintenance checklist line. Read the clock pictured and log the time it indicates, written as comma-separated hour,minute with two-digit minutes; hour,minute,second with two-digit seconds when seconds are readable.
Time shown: 11,54
